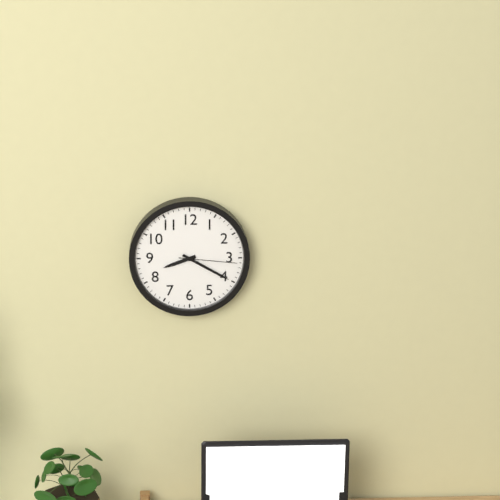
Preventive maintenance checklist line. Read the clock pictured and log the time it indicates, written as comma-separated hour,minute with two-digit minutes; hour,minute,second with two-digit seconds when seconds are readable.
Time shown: 8,20,16
